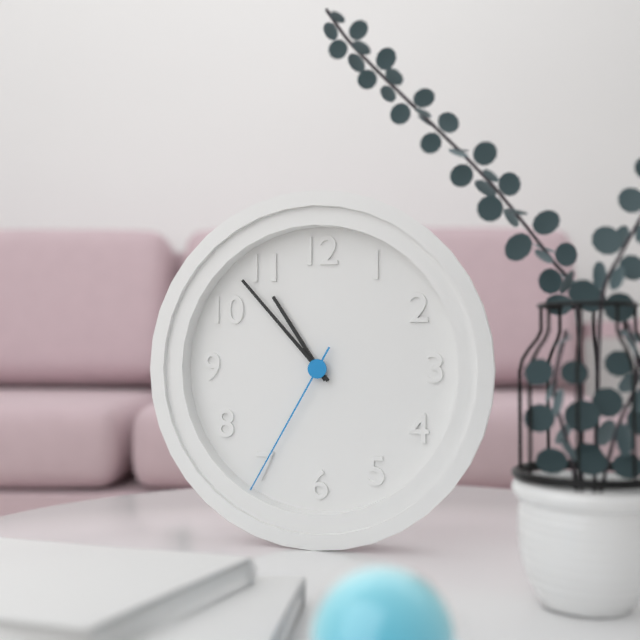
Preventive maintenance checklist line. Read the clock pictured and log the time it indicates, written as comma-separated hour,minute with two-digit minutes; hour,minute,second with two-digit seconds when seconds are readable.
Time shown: 10,53,35
